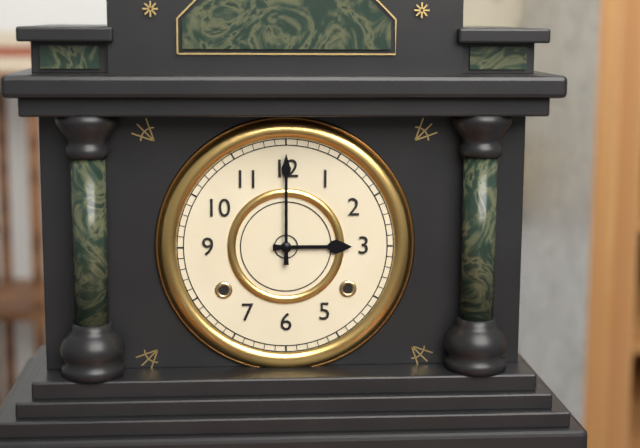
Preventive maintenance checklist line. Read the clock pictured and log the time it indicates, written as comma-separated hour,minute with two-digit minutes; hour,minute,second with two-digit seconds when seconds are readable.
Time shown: 3,00
